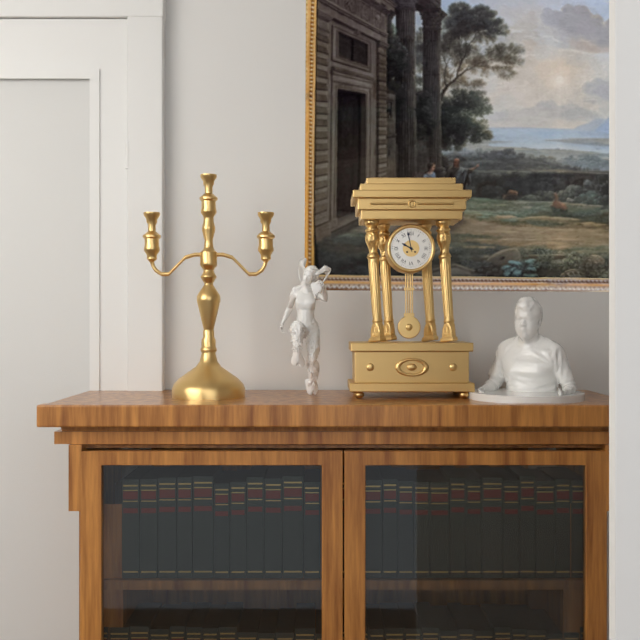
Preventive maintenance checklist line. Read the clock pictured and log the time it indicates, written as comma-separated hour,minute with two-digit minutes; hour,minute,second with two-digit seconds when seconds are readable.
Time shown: 9,58
